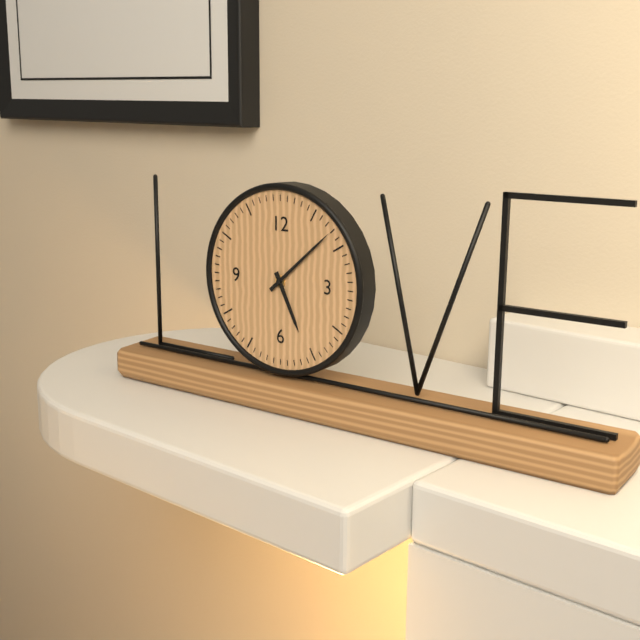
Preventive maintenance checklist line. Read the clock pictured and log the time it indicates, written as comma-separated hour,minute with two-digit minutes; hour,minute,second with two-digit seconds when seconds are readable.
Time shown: 5,08
